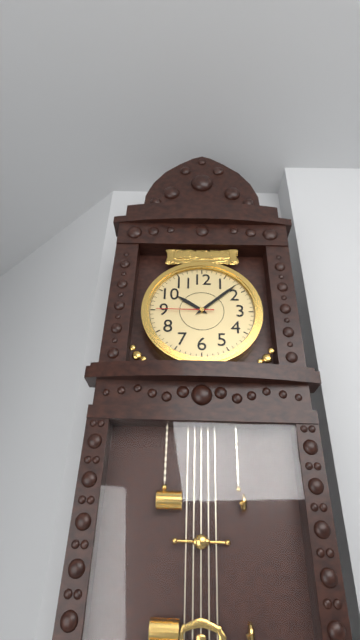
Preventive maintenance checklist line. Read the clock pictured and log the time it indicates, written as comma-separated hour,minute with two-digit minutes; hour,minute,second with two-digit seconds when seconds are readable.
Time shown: 10,08,45
